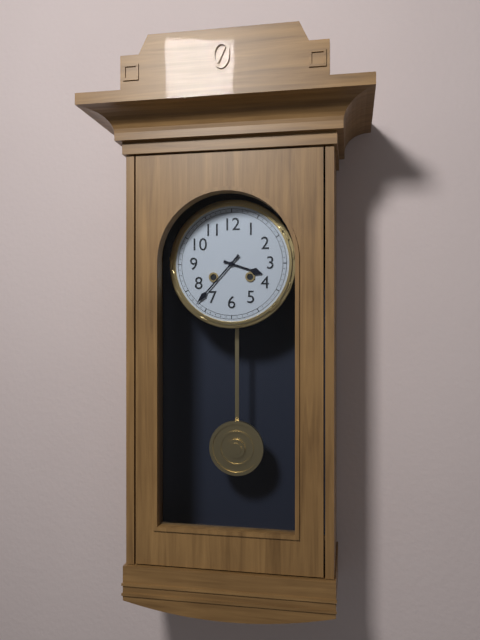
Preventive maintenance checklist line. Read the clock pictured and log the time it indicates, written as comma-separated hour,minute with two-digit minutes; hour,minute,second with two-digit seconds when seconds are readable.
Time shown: 3,37
